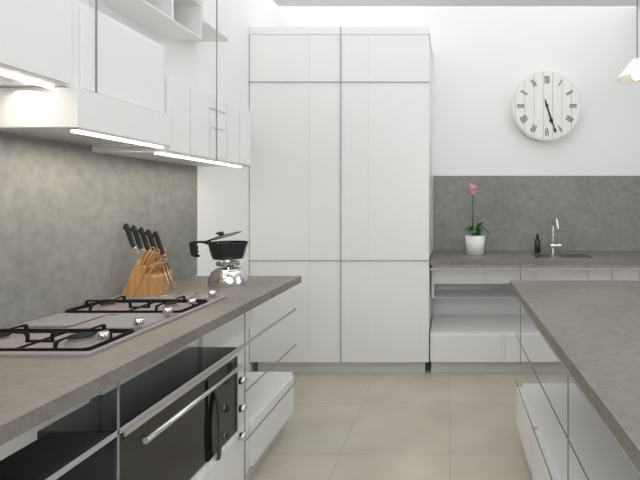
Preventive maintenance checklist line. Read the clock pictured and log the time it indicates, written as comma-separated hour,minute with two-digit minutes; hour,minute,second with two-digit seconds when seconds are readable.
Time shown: 5,27
